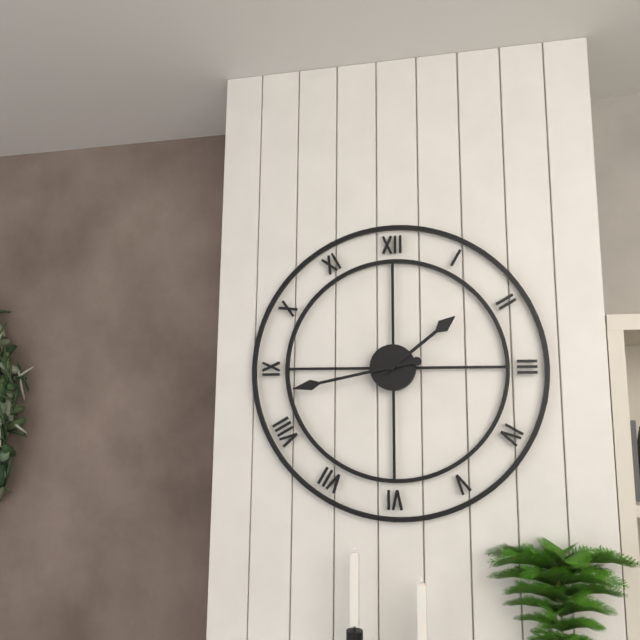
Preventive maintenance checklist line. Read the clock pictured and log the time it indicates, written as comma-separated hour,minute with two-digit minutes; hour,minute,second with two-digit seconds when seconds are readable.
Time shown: 1,43
